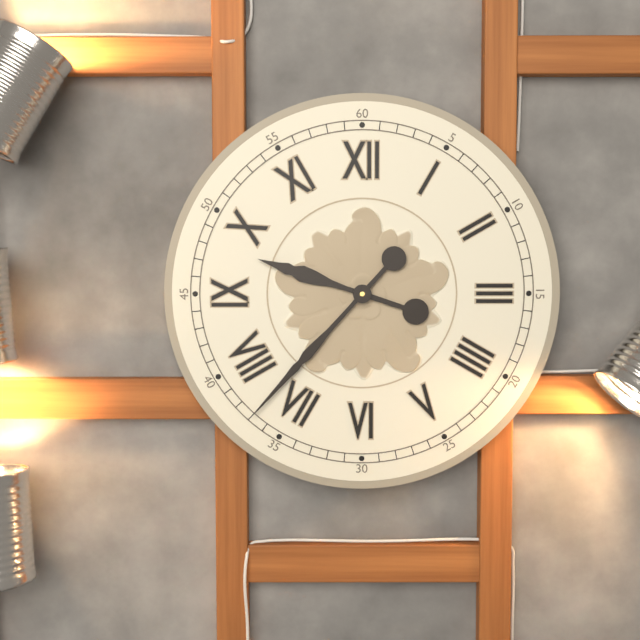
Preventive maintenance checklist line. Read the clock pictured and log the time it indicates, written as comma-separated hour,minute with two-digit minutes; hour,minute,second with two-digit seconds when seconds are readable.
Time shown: 9,37
